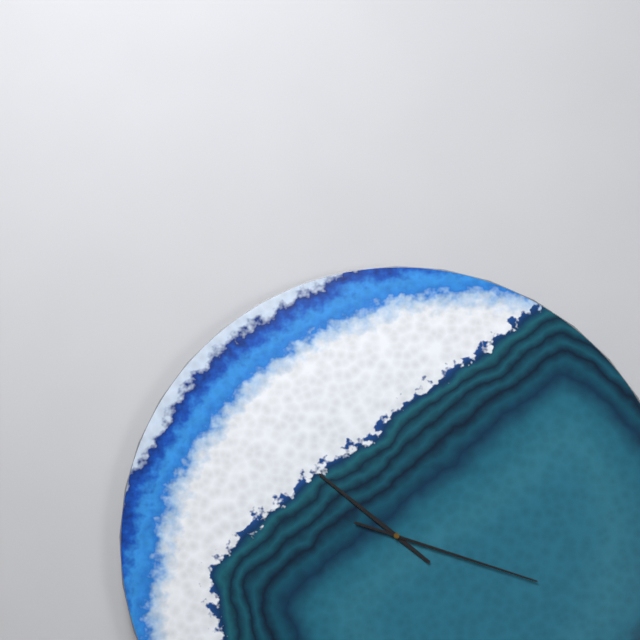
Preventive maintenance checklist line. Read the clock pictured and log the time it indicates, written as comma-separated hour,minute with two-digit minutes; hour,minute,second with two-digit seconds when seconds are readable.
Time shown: 10,18
